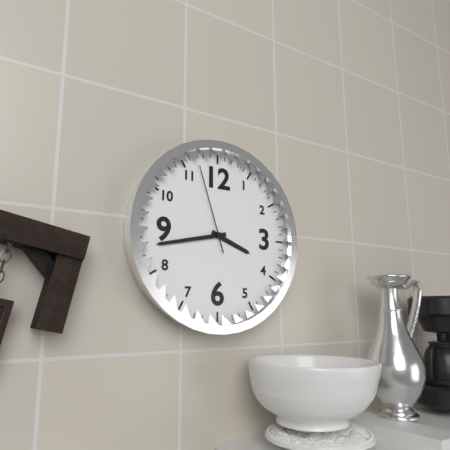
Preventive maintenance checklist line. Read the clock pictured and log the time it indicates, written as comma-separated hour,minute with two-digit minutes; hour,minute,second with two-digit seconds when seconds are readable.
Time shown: 3,43,57
